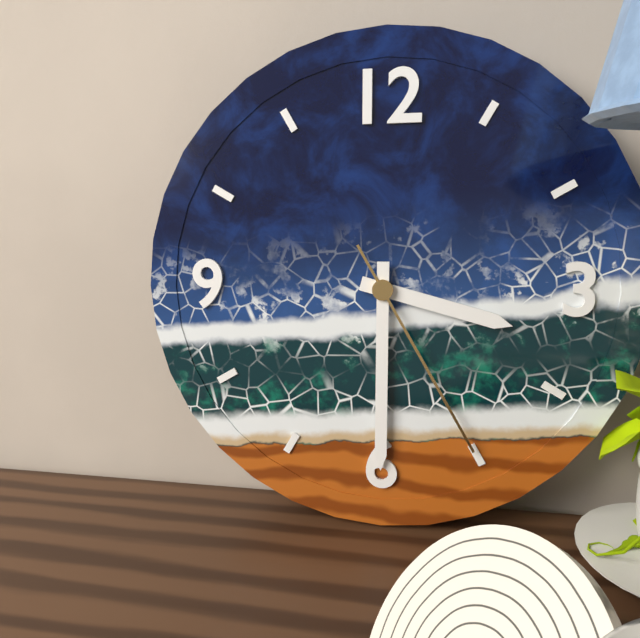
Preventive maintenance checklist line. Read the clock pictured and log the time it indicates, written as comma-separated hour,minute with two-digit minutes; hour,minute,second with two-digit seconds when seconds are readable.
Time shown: 3,30,25
